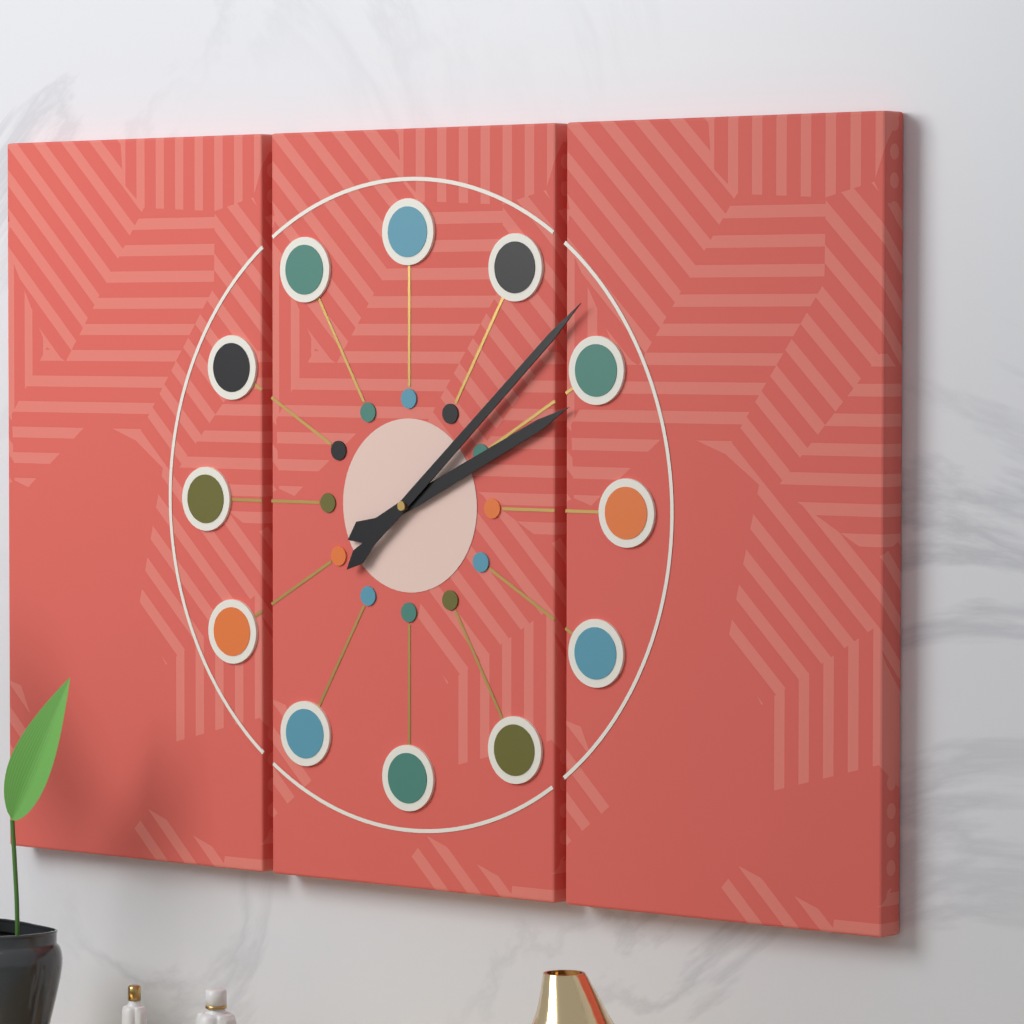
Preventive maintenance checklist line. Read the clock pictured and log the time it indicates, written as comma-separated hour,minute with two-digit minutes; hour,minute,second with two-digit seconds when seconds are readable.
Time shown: 2,08
